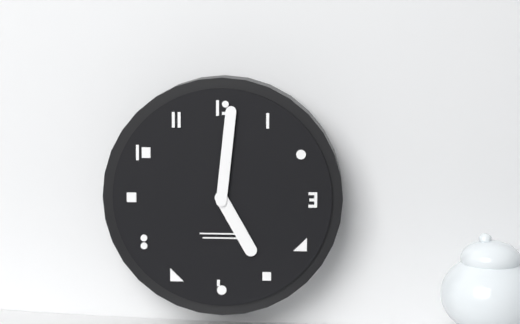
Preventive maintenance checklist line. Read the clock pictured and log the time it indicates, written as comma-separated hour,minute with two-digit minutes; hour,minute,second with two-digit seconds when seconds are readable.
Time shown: 5,01
